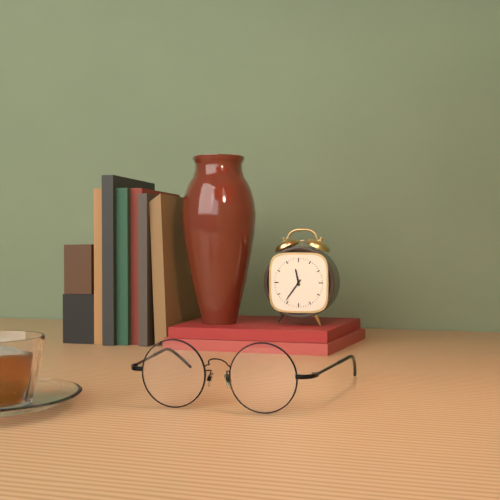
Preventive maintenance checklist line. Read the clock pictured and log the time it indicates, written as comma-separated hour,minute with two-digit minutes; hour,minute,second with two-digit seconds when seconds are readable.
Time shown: 11,36
